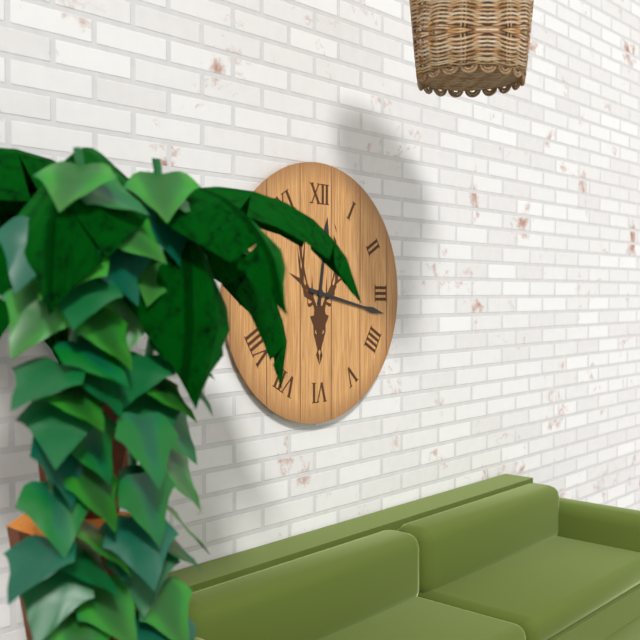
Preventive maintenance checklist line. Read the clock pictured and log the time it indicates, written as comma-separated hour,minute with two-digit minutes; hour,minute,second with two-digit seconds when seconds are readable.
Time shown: 12,17
